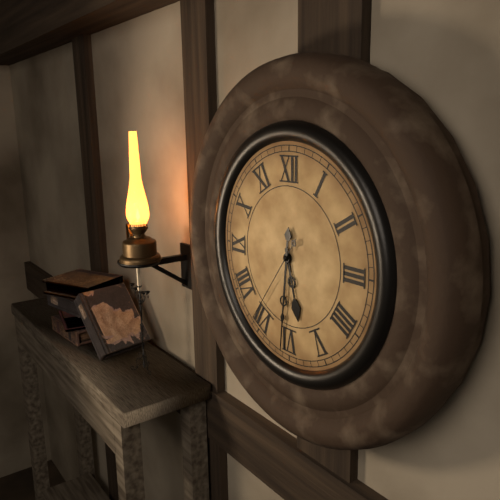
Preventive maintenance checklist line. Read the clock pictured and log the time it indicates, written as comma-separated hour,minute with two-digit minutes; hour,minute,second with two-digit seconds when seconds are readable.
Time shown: 5,31,36
